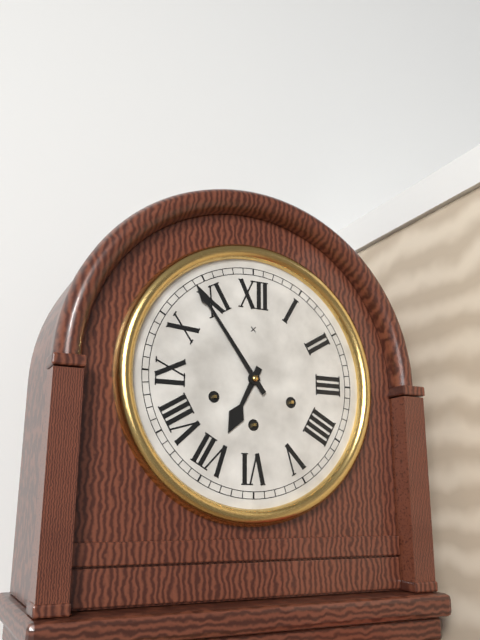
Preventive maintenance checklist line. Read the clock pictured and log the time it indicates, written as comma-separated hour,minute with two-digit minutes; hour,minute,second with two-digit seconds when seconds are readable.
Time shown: 6,54
